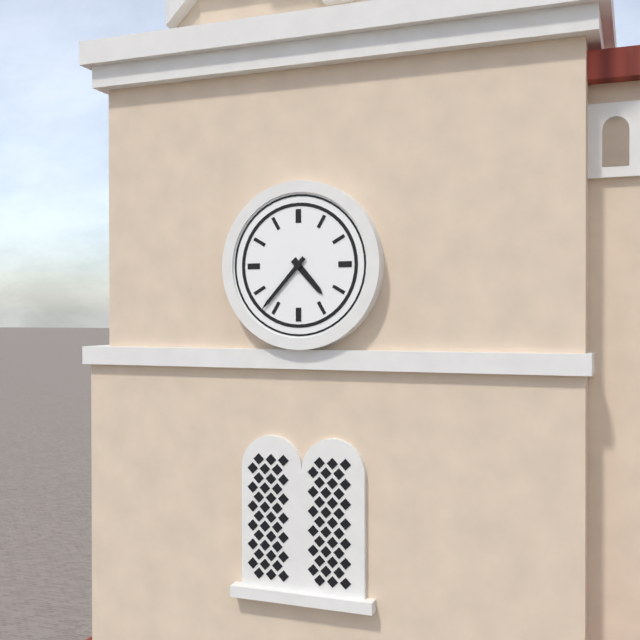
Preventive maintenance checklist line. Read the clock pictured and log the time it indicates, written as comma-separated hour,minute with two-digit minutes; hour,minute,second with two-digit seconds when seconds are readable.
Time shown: 4,37
